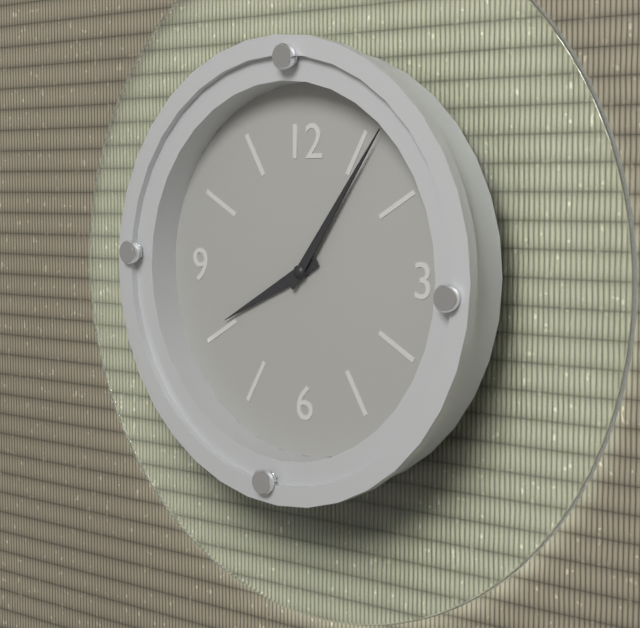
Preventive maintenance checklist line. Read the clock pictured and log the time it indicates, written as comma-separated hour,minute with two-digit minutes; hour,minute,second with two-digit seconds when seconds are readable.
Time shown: 8,06
